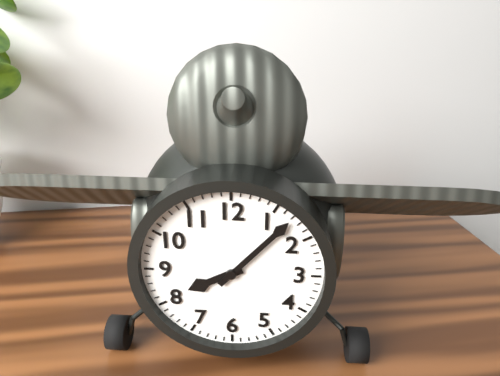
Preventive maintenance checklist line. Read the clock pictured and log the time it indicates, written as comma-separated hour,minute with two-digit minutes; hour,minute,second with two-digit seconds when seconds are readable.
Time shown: 8,07
